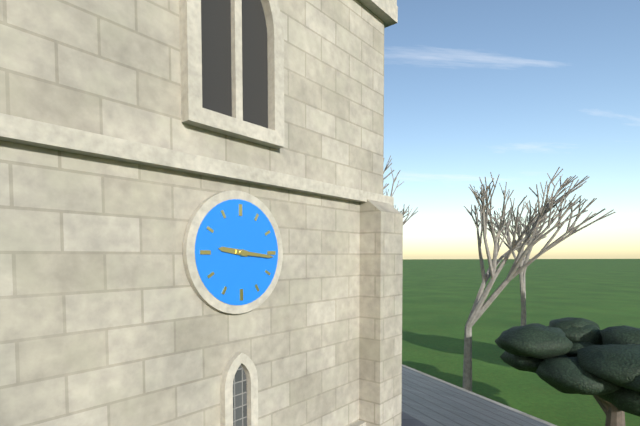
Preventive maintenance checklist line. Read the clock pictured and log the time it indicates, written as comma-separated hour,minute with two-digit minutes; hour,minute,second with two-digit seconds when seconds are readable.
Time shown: 9,16
